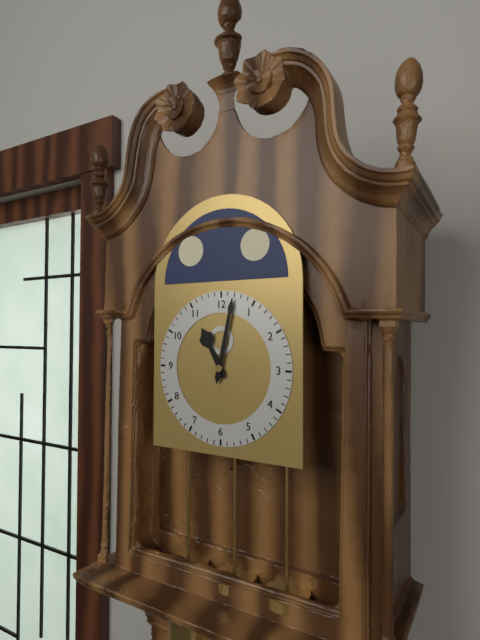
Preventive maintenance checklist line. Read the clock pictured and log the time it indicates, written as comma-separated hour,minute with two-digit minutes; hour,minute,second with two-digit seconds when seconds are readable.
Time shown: 11,02
